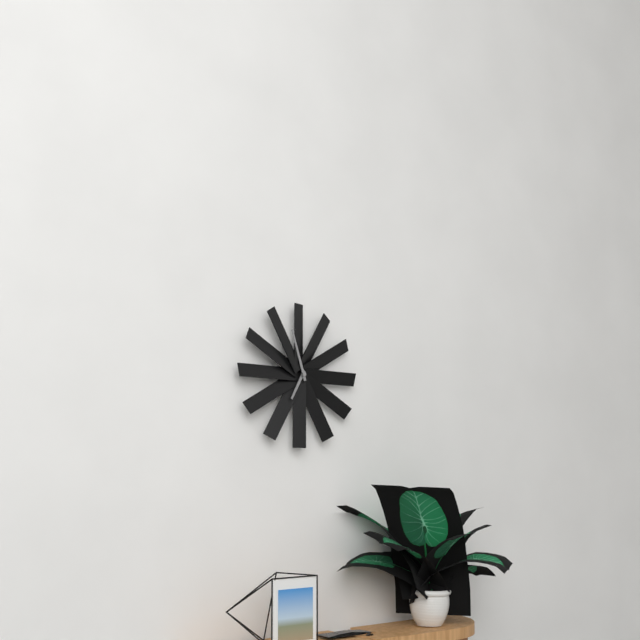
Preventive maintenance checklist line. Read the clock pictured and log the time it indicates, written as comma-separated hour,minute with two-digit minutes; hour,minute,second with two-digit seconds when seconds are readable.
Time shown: 6,57
